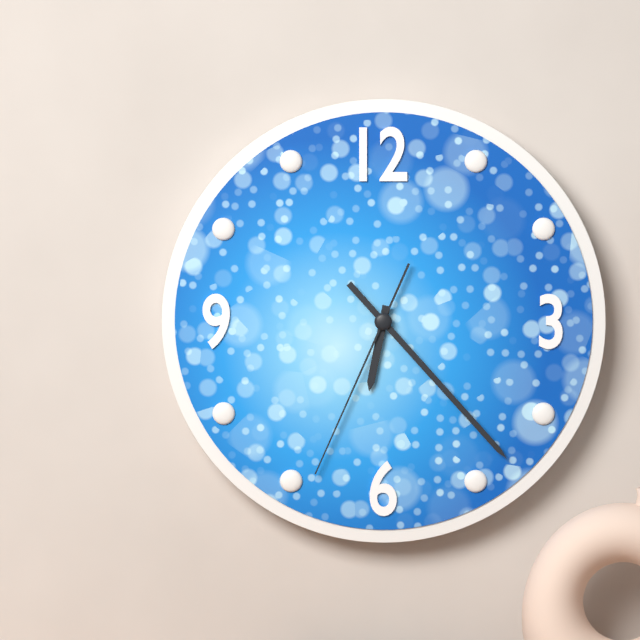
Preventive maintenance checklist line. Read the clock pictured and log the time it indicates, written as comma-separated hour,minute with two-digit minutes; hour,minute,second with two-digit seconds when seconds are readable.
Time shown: 6,23,34
